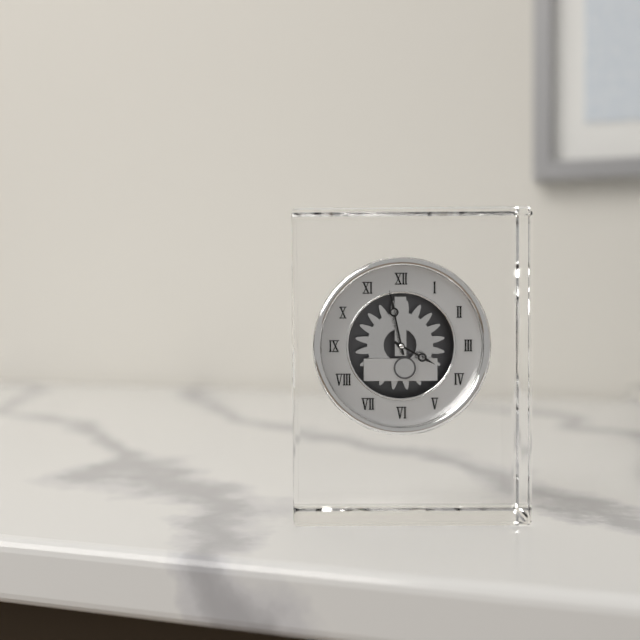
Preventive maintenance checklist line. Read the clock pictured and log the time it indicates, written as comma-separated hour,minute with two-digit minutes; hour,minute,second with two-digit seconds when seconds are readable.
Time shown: 3,58
